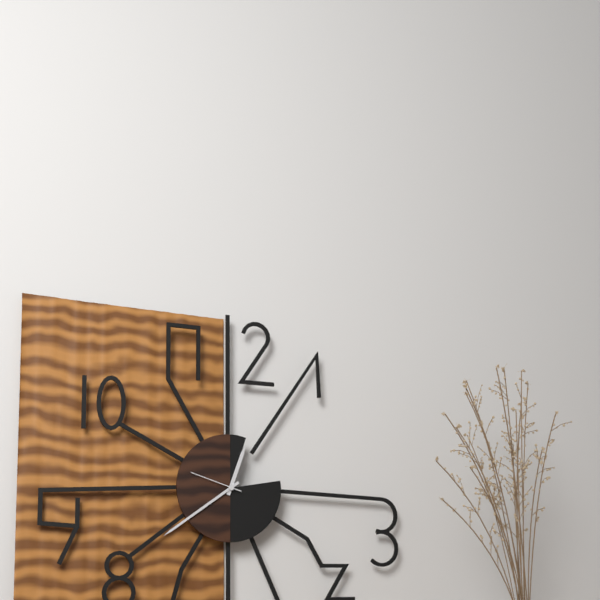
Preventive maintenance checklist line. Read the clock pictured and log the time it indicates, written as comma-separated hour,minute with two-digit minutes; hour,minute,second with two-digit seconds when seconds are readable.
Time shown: 12,39
